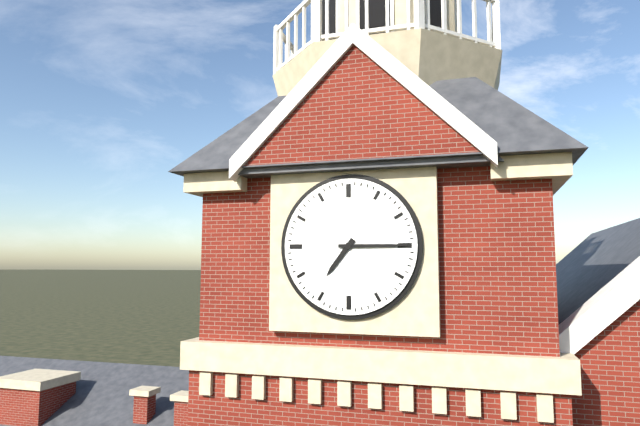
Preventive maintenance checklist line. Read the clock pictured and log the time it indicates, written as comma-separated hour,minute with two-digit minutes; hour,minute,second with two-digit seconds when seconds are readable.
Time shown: 7,15
